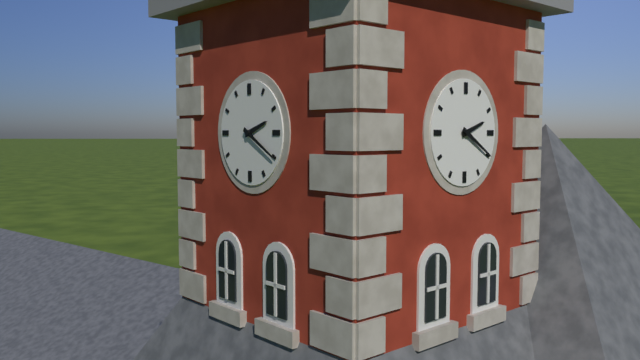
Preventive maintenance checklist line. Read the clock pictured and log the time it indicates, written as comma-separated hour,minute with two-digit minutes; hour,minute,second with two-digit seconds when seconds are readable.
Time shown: 2,20
